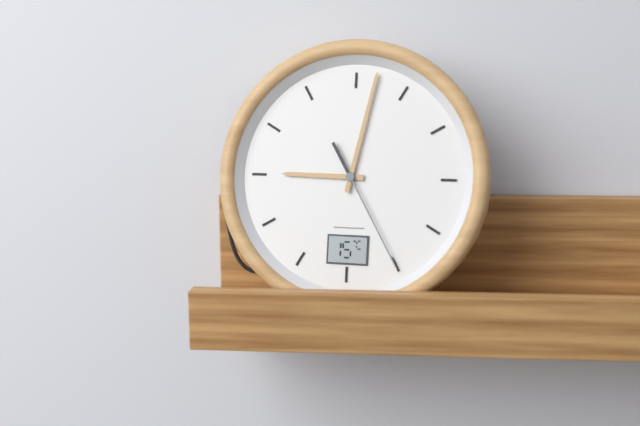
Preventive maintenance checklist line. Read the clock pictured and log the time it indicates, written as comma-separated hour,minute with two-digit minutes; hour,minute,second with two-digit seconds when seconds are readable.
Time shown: 9,02,25
